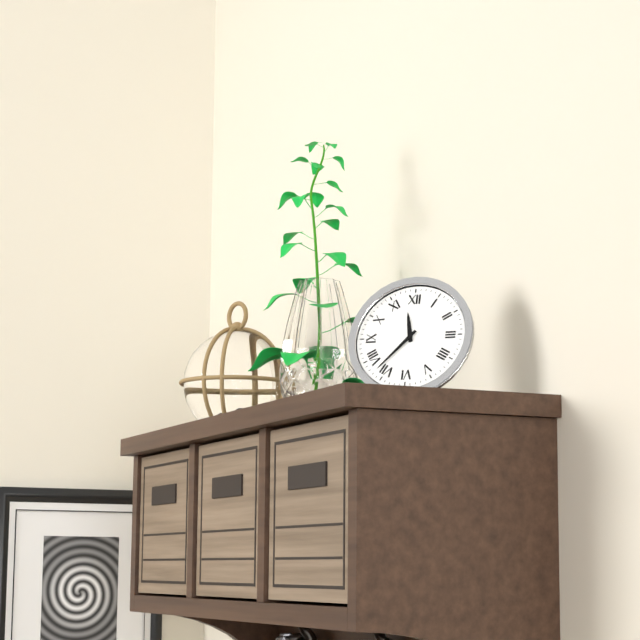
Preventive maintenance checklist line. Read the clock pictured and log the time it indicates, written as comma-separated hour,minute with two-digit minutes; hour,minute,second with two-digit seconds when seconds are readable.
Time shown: 11,37
